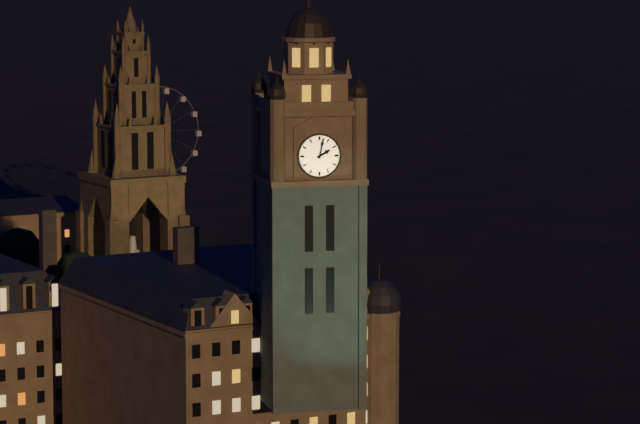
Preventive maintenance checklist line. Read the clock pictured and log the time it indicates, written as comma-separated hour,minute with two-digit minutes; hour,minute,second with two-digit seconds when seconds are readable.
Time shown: 2,02
